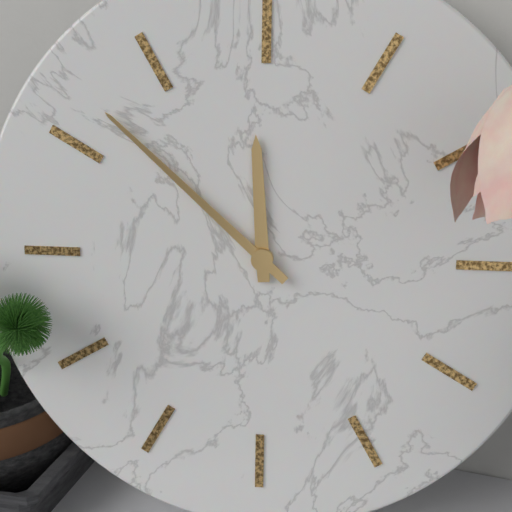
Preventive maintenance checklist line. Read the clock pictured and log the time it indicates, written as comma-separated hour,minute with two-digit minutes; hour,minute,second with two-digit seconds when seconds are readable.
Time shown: 11,52
